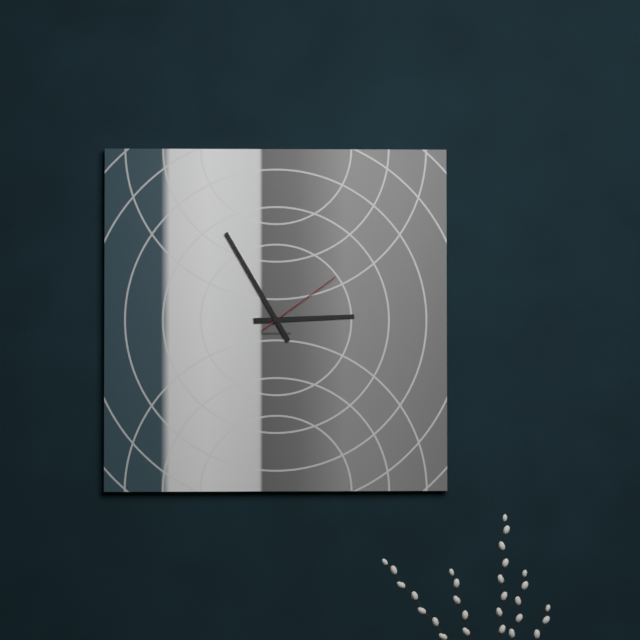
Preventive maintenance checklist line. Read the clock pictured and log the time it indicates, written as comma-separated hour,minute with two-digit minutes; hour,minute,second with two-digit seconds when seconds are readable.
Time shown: 2,55,09
